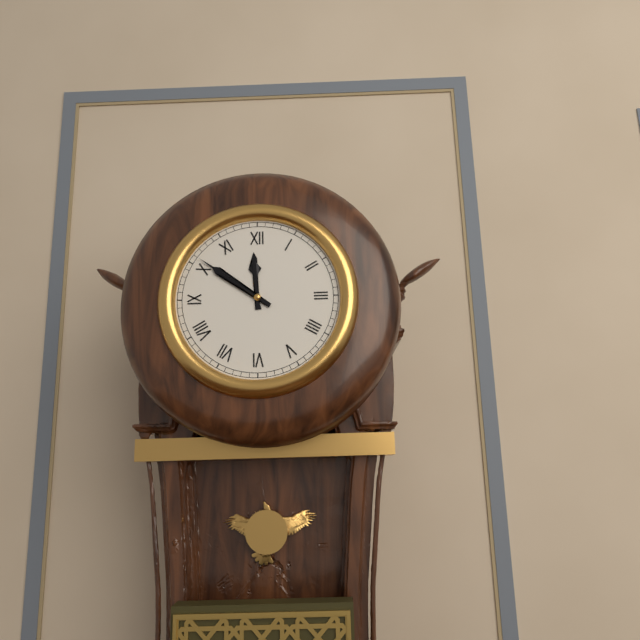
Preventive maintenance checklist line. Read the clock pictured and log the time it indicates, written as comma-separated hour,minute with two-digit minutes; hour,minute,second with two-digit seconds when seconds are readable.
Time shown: 11,51
